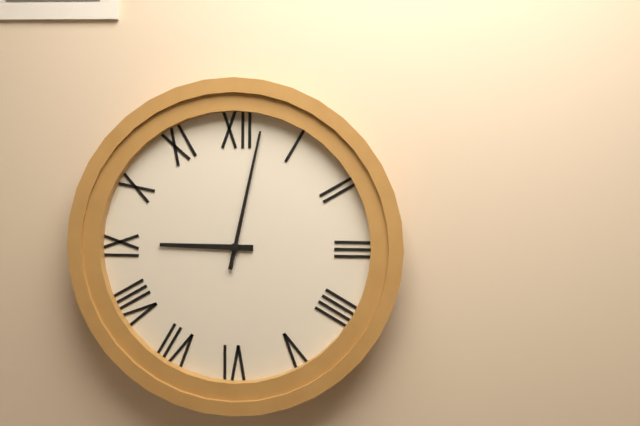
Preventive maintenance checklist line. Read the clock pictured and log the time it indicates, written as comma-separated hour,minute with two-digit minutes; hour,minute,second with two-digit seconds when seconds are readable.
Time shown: 9,02
